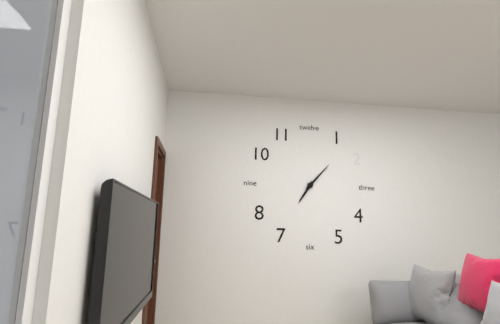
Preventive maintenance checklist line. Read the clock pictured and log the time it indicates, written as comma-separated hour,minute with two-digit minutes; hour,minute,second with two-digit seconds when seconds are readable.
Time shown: 7,07
